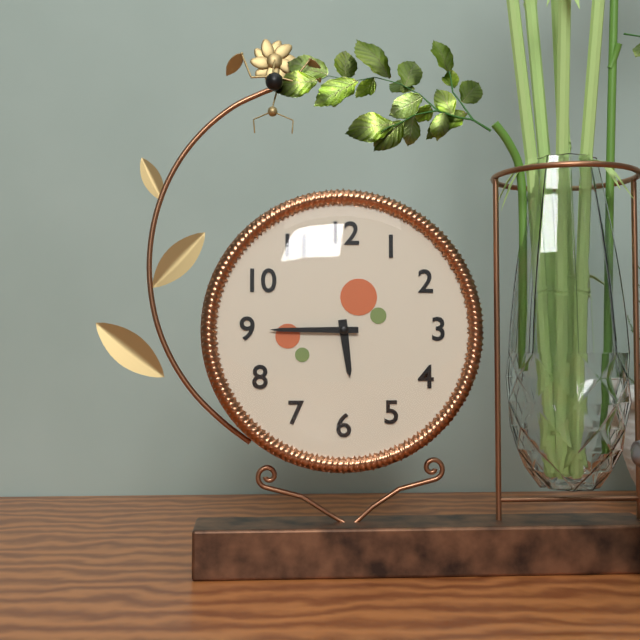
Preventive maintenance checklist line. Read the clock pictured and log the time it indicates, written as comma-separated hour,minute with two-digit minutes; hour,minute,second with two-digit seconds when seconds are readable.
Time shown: 5,45
